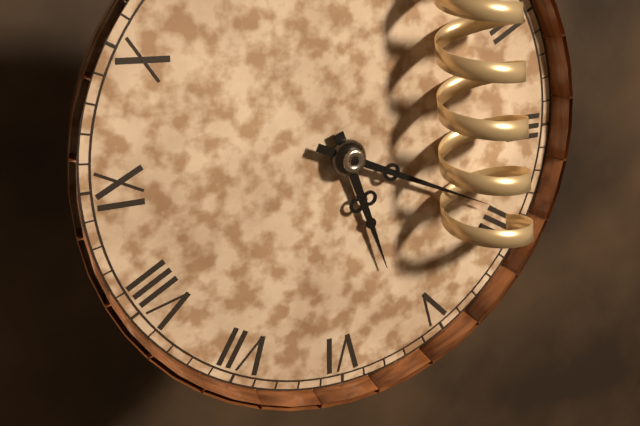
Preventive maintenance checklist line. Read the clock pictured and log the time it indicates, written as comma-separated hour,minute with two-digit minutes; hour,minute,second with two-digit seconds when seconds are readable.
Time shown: 5,19
